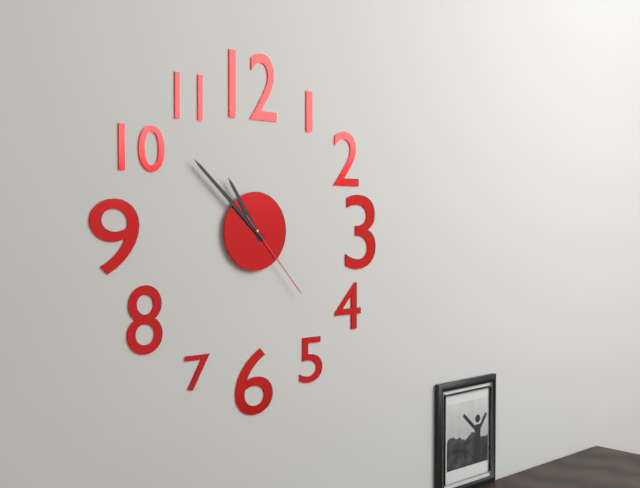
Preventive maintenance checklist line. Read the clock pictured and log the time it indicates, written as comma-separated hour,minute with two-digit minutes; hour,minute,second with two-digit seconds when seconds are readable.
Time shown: 10,52,23
